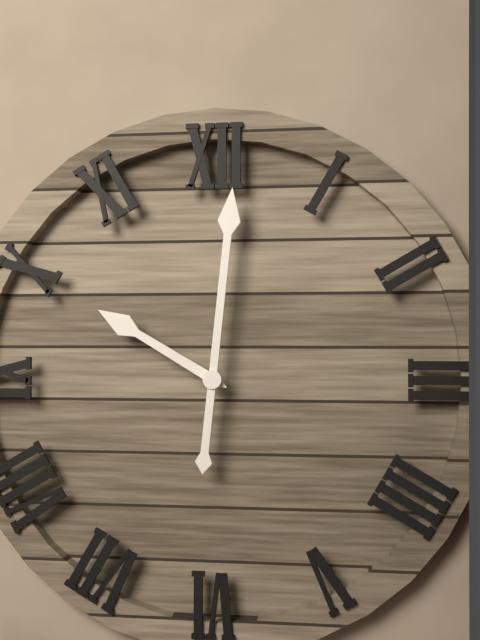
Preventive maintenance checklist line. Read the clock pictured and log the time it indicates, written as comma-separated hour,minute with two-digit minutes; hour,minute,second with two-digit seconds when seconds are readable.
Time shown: 10,01
